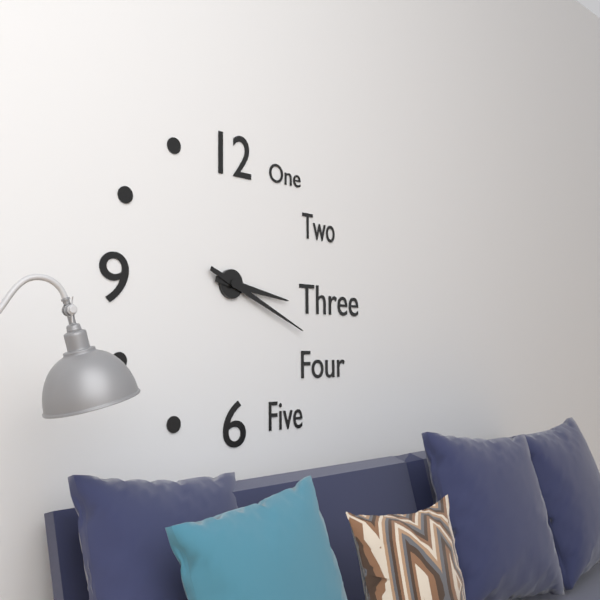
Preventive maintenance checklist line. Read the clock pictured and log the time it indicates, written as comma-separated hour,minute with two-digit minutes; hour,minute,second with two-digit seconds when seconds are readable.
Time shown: 3,19
